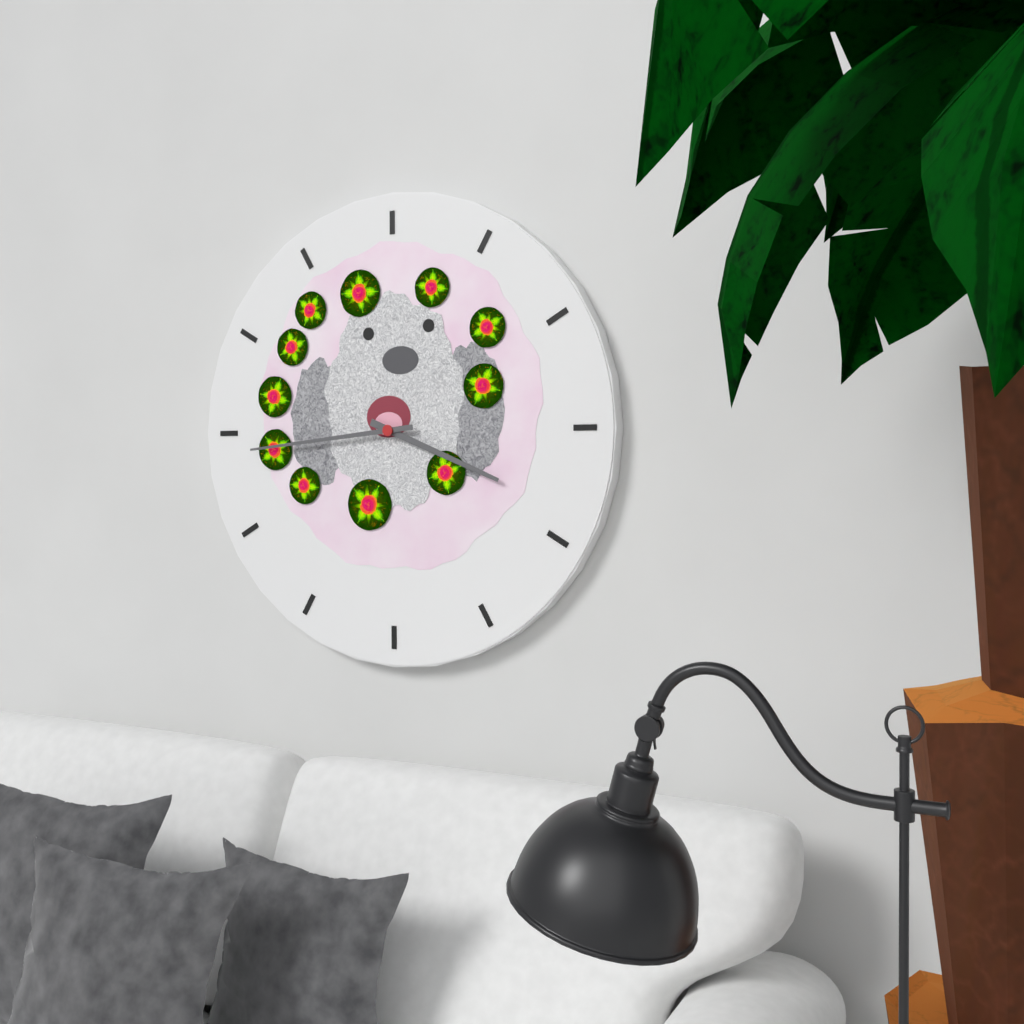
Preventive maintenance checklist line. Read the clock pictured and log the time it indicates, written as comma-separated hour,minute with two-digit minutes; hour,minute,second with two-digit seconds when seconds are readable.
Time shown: 3,44
